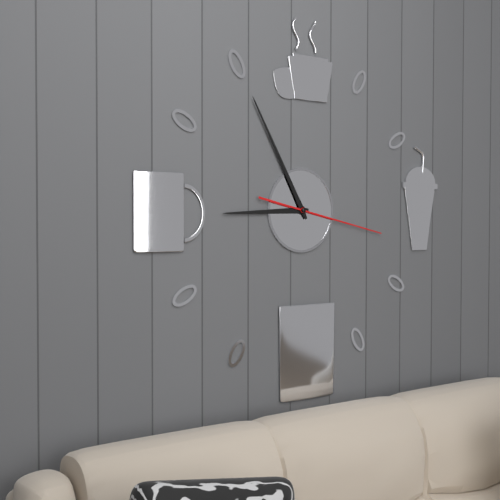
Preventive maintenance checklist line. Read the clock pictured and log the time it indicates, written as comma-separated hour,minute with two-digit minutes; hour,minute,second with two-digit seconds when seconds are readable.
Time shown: 8,55,17
